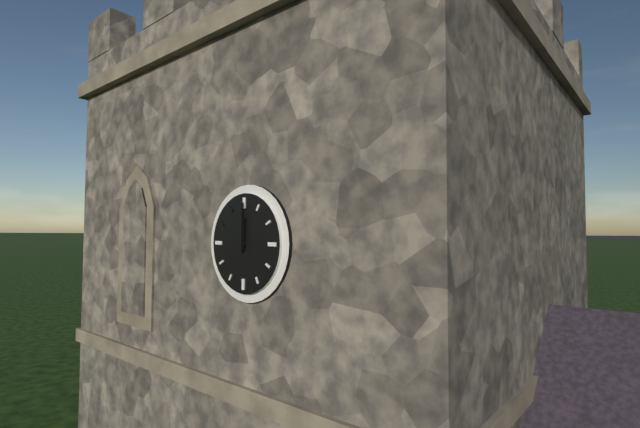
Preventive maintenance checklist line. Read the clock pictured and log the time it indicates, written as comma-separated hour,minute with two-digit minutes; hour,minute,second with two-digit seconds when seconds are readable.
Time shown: 12,00
